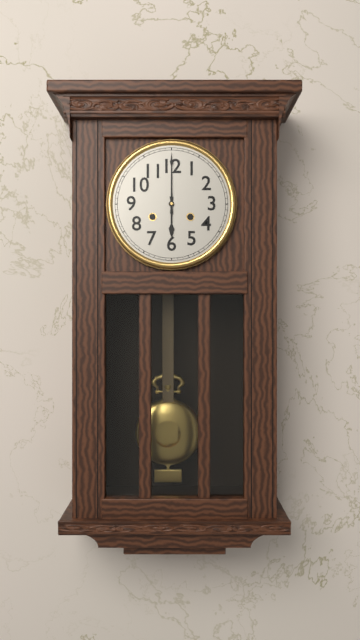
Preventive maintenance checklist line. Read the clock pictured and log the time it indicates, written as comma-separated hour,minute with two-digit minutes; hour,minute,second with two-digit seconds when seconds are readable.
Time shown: 6,00
